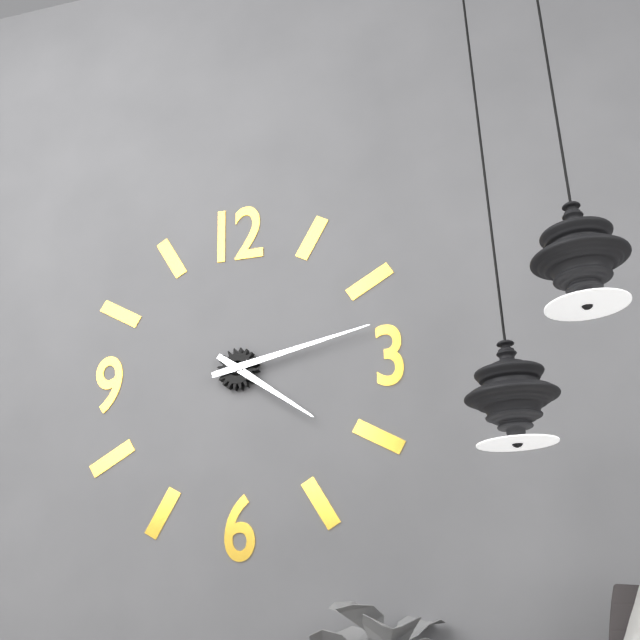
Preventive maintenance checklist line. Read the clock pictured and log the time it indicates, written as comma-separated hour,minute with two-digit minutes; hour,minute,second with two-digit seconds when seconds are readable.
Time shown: 4,13
